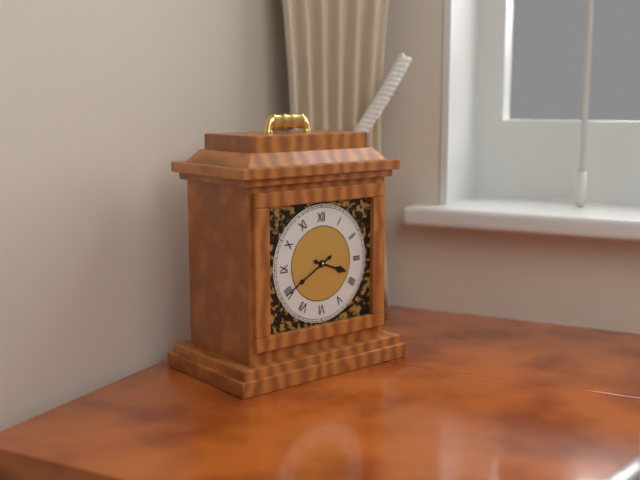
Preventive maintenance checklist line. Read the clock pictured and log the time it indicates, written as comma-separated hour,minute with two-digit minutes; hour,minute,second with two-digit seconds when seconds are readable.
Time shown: 3,40
